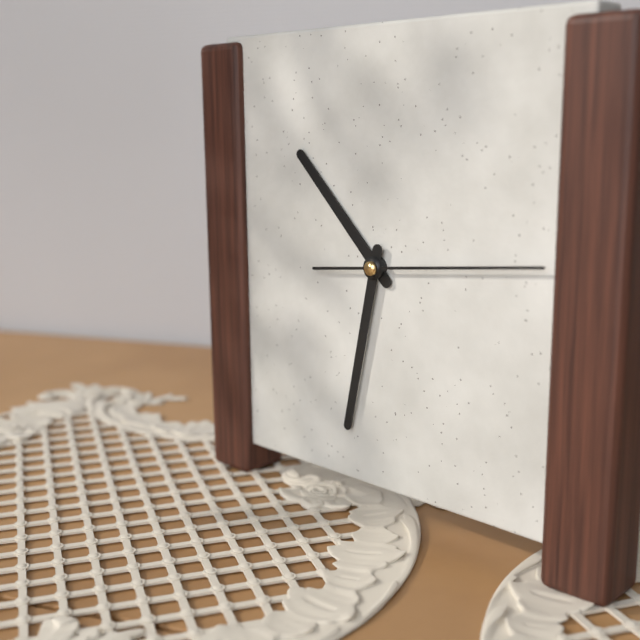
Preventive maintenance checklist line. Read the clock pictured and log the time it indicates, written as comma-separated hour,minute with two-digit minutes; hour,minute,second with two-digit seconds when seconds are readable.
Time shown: 10,32,14
